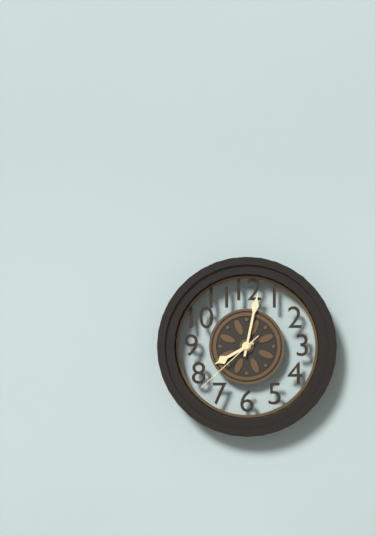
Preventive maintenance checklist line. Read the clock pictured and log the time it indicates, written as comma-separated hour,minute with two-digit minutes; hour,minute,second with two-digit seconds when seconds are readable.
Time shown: 8,02,38
